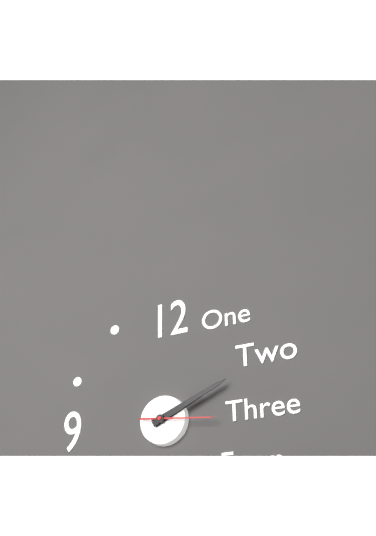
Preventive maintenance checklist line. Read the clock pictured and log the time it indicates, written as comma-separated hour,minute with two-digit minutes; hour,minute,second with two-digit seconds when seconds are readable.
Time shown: 2,11,16
